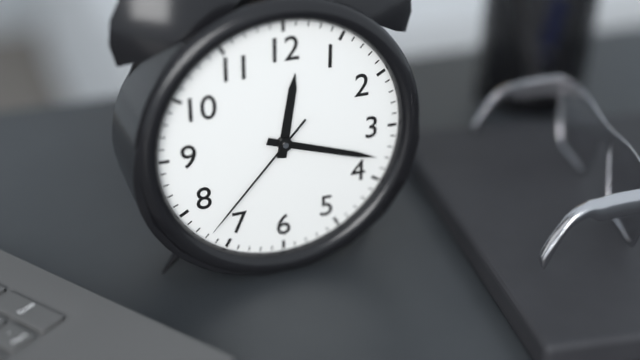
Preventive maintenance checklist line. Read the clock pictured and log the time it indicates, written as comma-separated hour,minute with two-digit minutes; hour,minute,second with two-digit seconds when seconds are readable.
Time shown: 12,18,37
